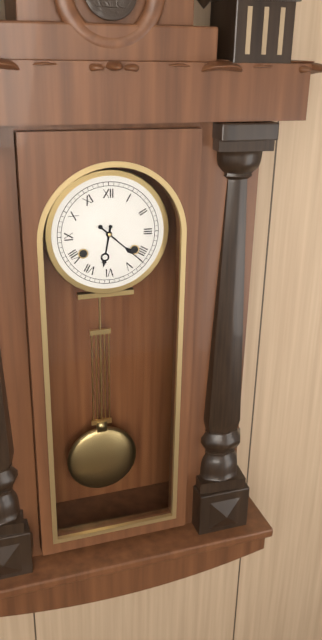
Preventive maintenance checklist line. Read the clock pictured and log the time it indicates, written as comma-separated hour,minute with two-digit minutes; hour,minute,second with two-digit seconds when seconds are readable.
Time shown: 6,22
